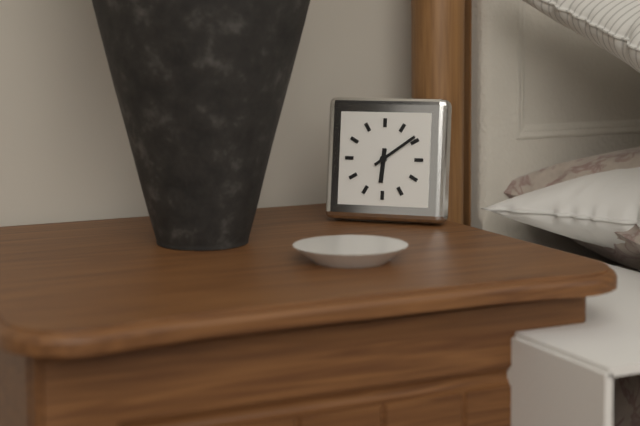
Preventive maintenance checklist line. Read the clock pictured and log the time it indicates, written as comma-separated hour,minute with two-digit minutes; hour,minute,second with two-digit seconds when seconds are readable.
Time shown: 6,09
